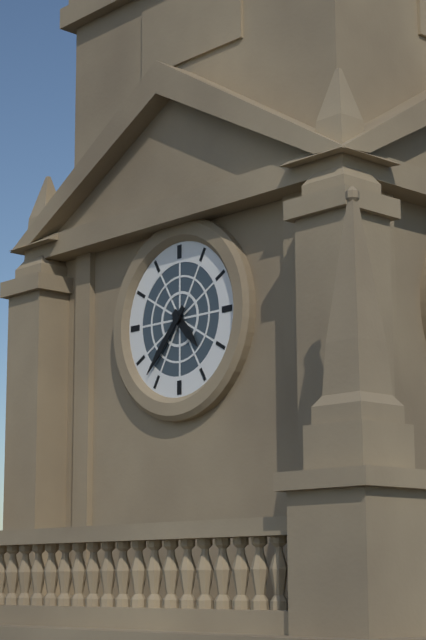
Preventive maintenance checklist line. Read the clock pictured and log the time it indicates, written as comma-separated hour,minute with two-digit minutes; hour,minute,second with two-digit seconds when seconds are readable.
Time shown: 4,37
